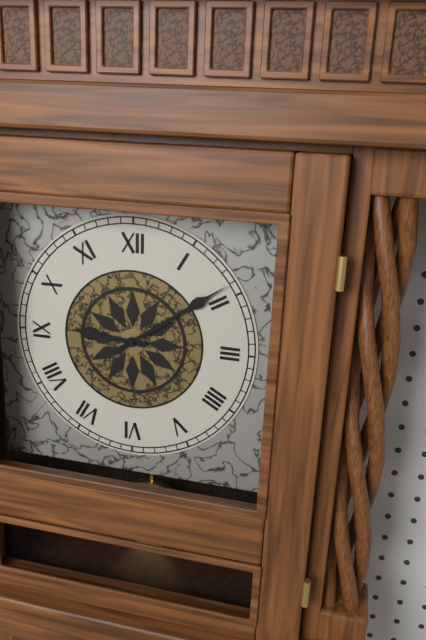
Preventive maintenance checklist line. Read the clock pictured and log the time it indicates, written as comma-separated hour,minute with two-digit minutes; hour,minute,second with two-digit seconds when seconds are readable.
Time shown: 9,09
